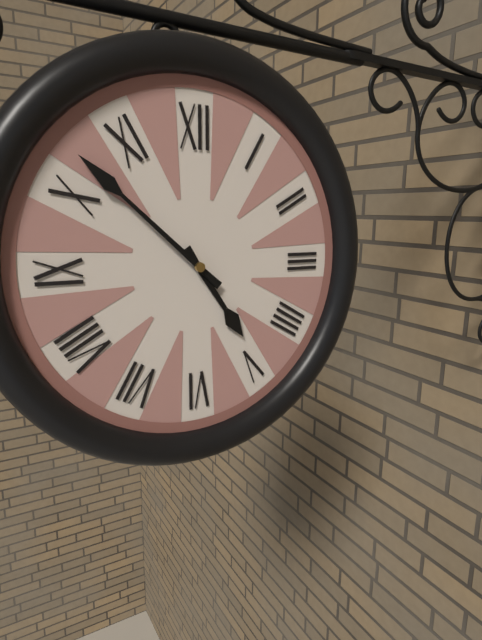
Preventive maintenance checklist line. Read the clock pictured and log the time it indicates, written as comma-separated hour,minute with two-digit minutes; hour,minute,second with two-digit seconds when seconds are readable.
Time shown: 4,52
